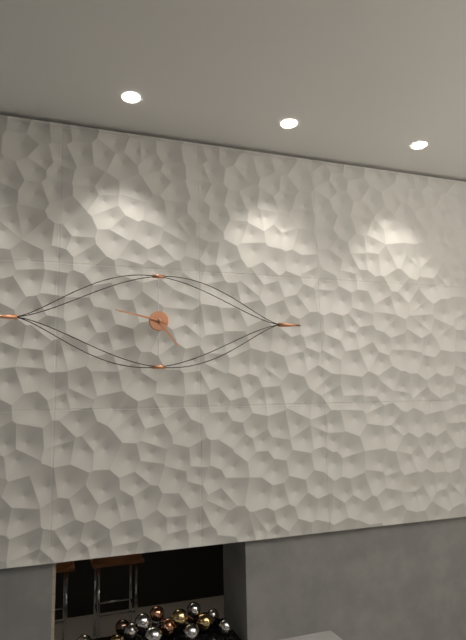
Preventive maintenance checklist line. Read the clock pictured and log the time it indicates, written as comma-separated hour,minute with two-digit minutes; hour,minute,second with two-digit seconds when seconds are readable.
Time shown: 4,47
